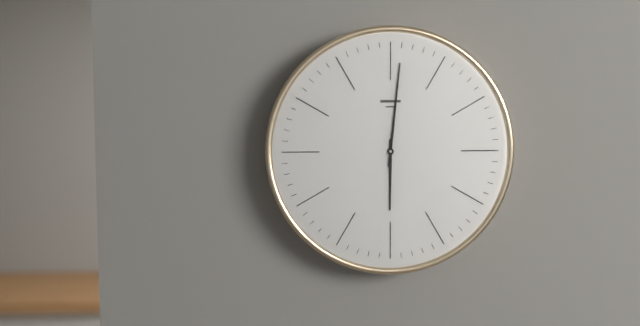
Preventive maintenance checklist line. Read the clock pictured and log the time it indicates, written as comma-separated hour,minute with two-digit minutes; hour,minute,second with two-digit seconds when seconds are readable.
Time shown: 6,01
